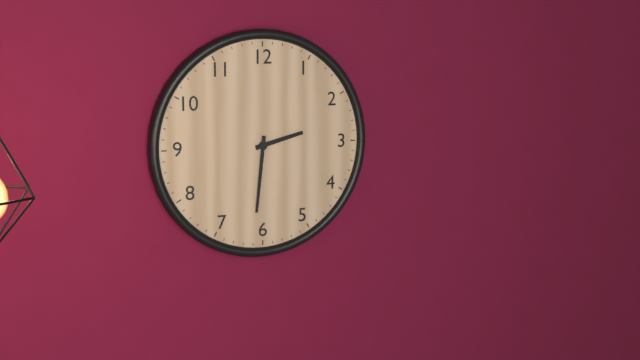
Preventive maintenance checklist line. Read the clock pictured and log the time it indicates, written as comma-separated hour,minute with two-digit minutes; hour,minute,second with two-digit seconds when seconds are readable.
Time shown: 2,31
